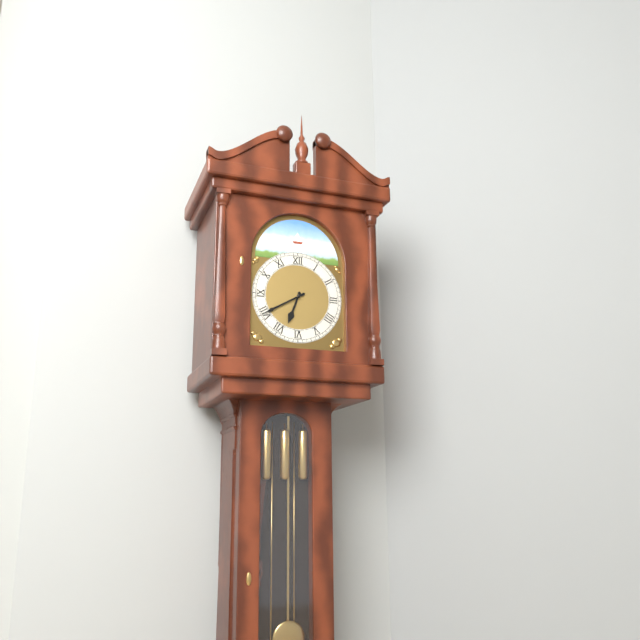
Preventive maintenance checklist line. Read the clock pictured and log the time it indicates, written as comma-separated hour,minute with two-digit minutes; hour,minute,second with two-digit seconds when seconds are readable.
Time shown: 6,40
